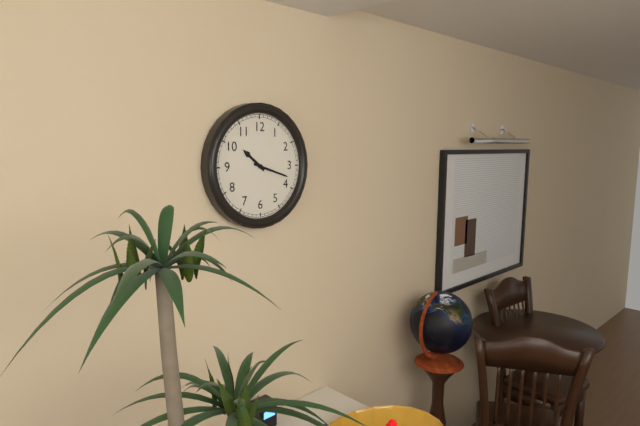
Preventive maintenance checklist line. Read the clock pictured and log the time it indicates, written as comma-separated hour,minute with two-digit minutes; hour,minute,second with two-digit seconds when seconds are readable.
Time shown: 10,18
